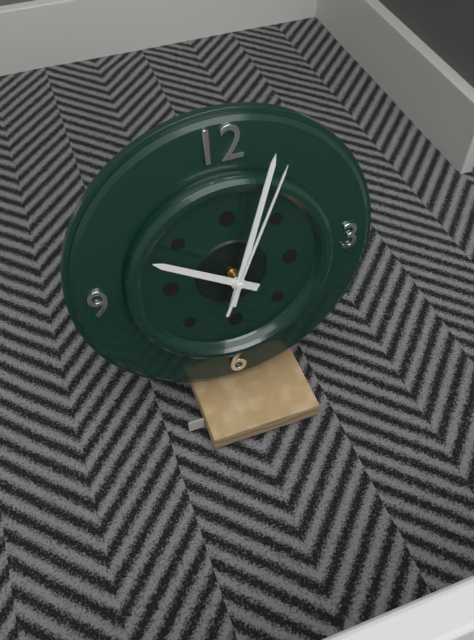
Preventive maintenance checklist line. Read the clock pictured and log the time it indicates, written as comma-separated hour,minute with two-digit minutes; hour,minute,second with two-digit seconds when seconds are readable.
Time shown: 10,03,04
